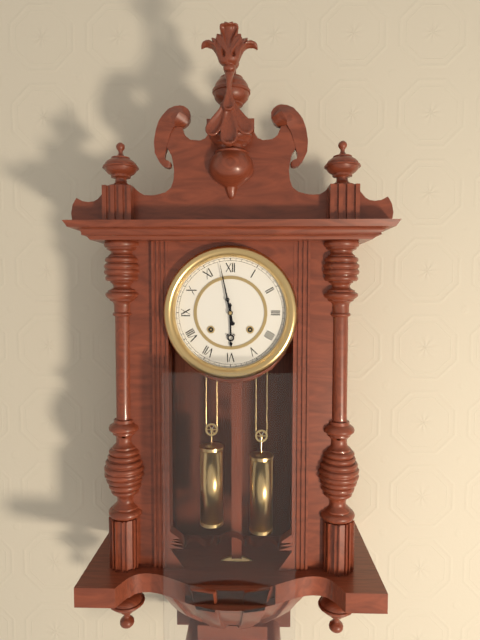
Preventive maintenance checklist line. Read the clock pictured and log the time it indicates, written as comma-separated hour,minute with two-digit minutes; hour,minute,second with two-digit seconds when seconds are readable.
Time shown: 5,58
